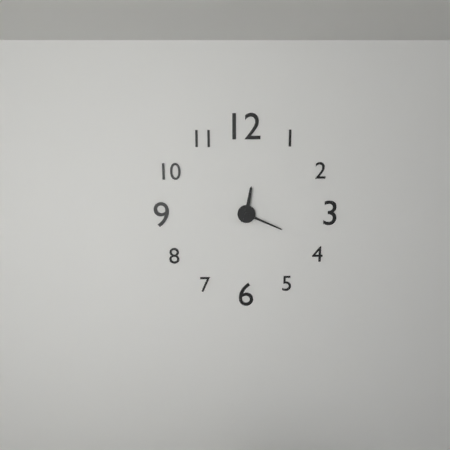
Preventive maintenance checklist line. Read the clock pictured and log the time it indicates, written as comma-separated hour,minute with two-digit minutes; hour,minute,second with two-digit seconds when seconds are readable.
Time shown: 12,19
